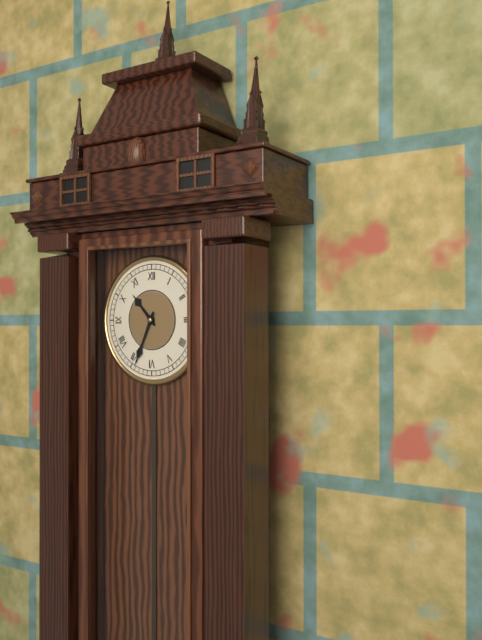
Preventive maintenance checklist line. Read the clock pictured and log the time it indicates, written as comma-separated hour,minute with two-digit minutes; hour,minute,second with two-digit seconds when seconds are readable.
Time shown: 10,34
